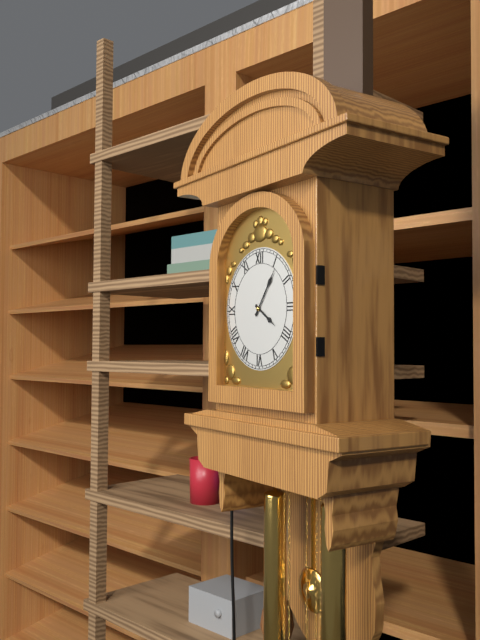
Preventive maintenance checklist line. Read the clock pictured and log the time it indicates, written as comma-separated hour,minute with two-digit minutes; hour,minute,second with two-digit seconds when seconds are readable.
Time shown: 4,06
